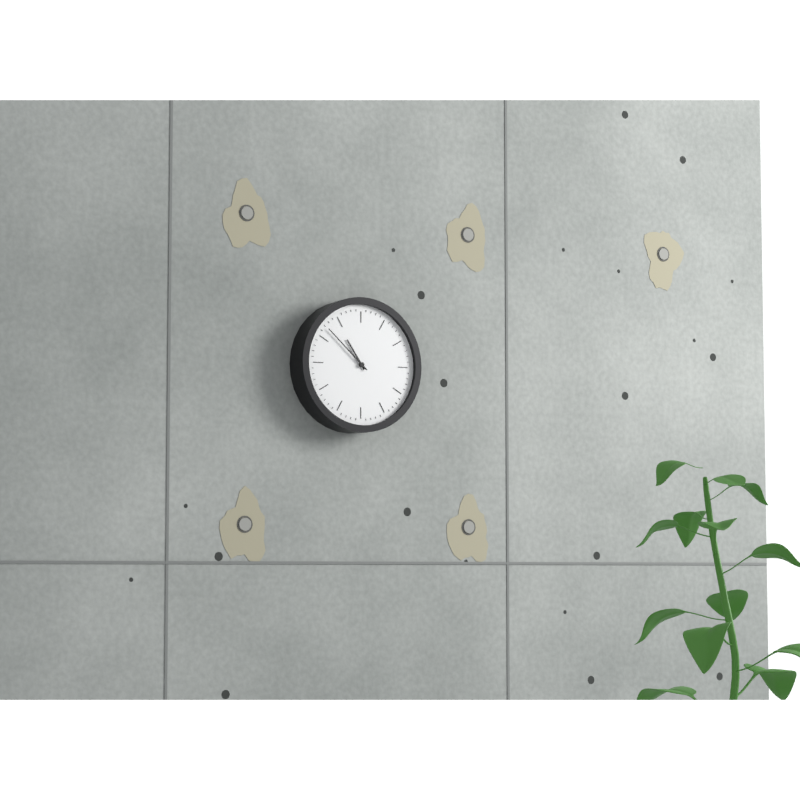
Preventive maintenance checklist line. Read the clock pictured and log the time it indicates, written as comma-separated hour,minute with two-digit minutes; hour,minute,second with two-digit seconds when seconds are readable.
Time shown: 10,52
